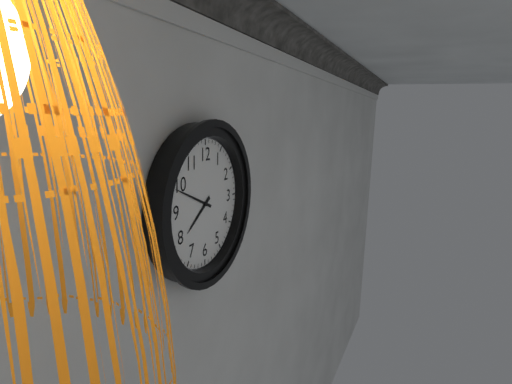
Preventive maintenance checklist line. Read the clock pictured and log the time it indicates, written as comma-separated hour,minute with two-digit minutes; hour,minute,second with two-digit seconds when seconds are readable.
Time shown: 7,49
